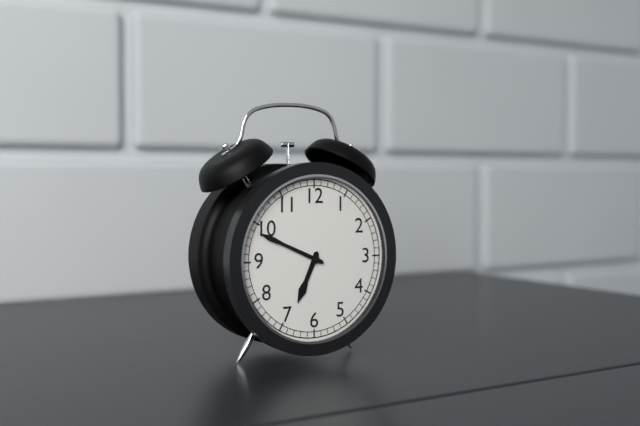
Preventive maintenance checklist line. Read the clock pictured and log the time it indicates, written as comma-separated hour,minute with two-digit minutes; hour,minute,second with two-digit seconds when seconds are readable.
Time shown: 6,49
